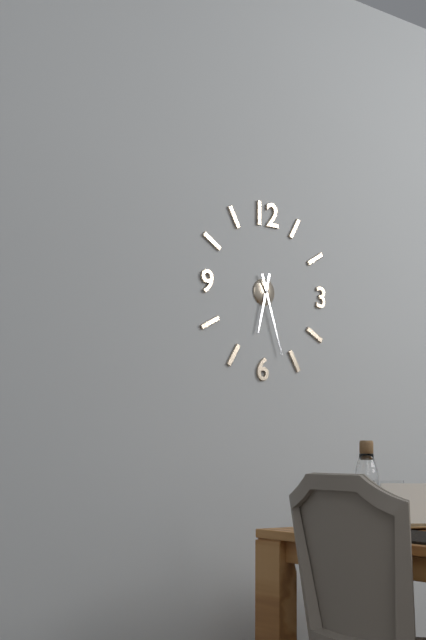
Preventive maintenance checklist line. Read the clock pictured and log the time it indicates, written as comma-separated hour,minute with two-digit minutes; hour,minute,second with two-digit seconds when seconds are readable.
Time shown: 6,27
